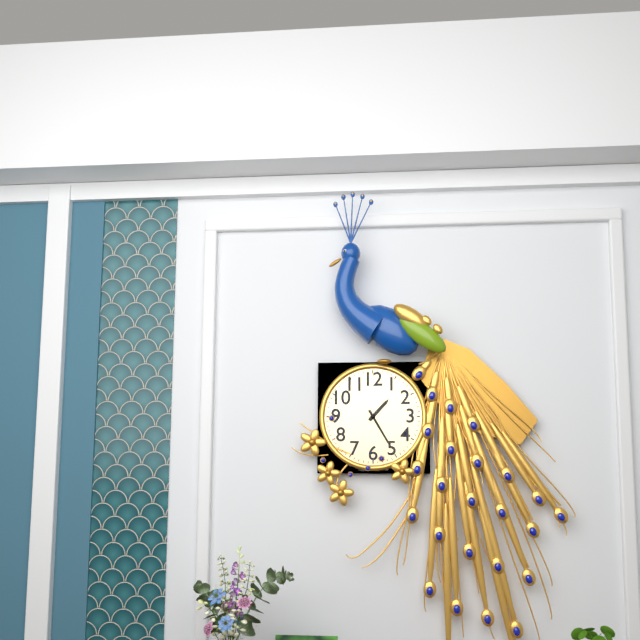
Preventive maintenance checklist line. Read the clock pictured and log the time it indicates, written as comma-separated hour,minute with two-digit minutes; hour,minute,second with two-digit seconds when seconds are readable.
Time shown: 1,25
